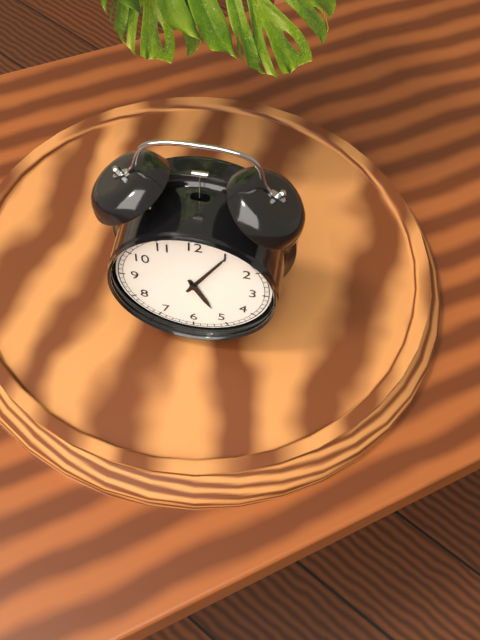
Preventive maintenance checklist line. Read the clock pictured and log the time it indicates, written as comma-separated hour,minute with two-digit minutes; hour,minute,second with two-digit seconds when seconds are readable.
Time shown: 5,05
